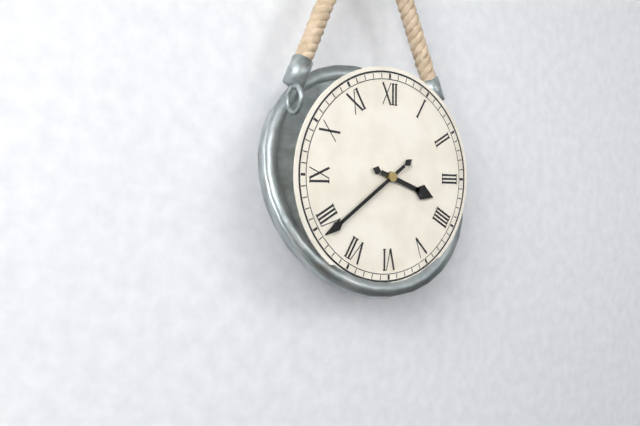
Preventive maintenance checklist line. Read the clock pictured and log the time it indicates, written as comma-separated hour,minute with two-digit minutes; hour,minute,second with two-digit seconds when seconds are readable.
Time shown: 3,39
